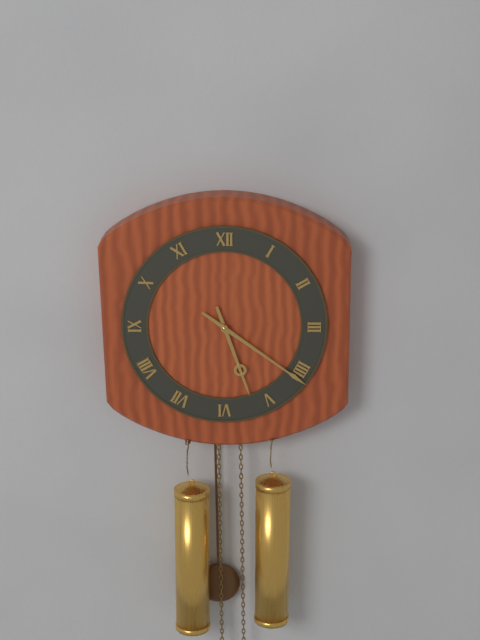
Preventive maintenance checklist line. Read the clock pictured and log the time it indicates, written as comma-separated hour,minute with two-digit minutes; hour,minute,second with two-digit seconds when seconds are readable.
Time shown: 5,21
